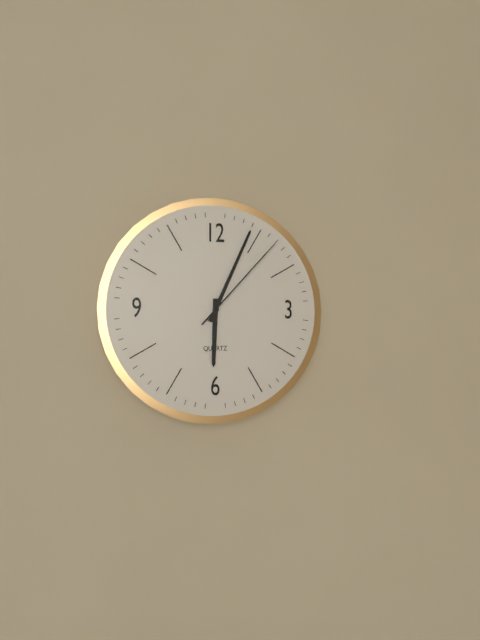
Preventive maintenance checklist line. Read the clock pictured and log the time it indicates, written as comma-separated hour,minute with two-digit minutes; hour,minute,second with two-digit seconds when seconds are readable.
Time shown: 6,04,07
